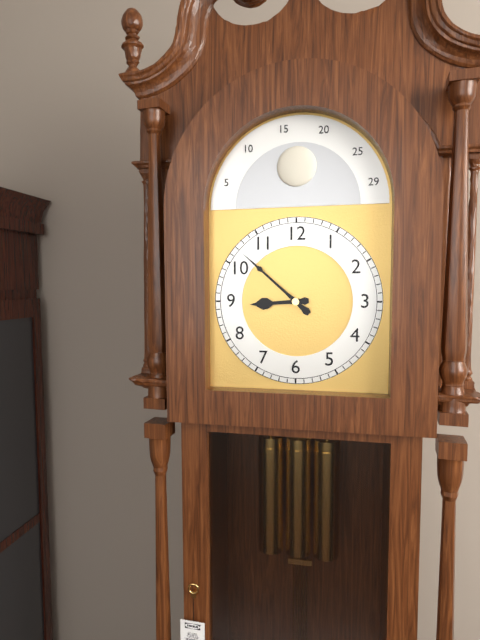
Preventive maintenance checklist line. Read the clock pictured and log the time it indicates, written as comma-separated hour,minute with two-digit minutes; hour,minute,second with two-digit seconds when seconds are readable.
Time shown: 8,52
